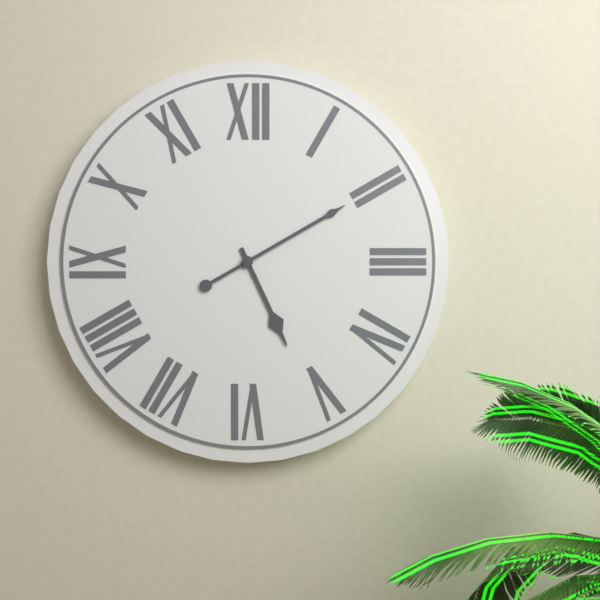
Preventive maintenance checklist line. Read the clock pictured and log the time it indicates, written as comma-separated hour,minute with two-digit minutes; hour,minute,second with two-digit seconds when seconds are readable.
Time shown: 5,10
